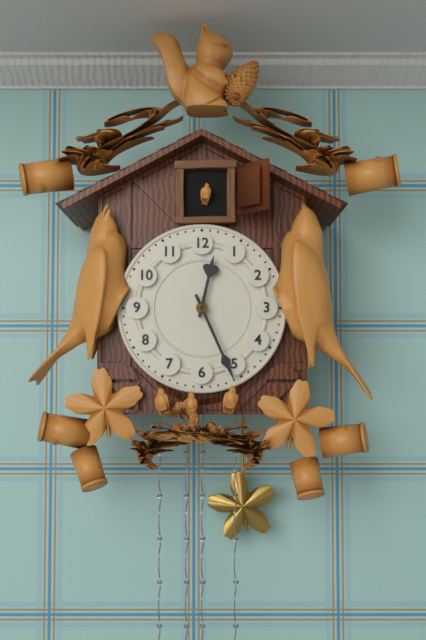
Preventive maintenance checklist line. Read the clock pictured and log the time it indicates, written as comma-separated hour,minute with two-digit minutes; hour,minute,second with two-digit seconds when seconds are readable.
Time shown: 12,26
